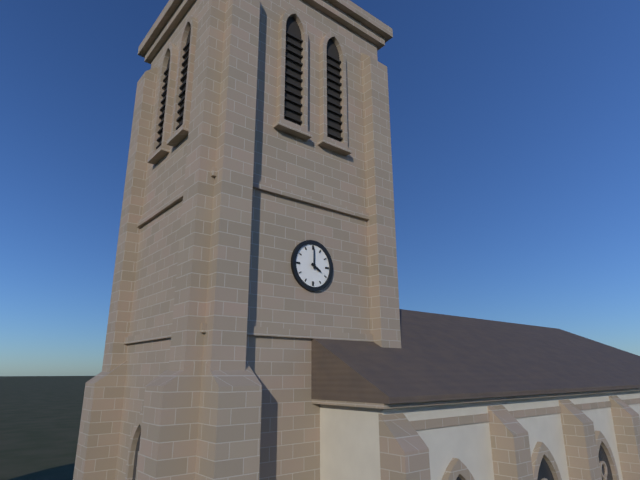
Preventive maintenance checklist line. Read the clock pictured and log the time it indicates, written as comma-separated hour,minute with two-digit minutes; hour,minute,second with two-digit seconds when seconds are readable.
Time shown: 4,00
